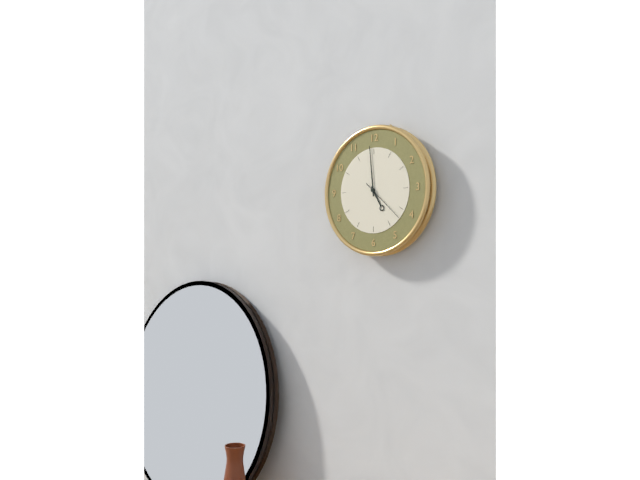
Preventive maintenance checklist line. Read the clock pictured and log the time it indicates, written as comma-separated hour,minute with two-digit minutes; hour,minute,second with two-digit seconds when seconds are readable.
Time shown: 4,59
